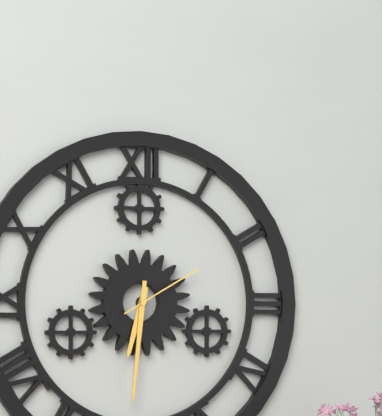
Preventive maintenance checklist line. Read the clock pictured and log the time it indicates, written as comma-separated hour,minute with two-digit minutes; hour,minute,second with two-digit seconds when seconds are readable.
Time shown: 6,31,10
